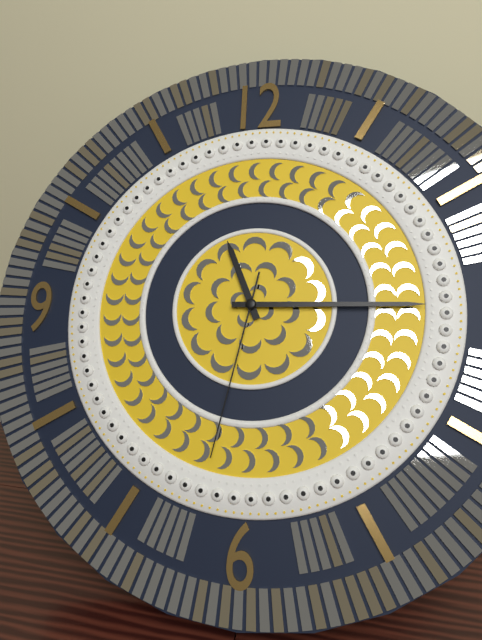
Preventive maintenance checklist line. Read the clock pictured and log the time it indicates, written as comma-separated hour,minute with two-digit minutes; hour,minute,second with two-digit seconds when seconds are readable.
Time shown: 11,15,32
